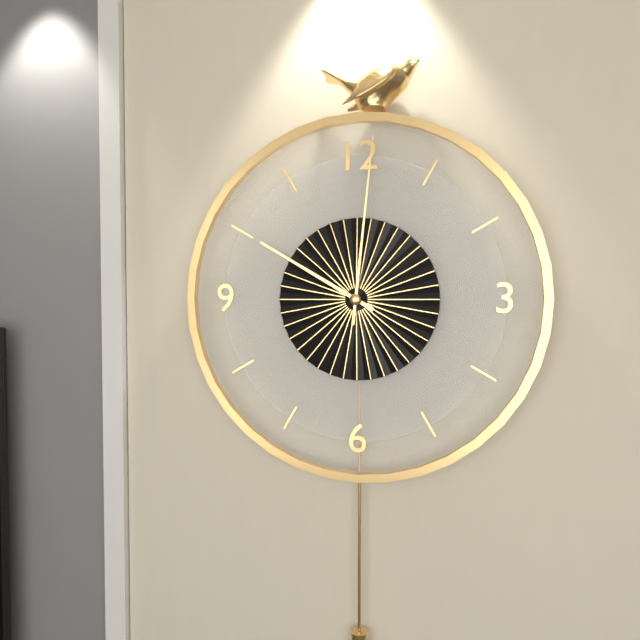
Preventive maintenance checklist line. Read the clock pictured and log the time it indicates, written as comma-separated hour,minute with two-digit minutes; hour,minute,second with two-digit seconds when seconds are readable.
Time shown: 10,01
